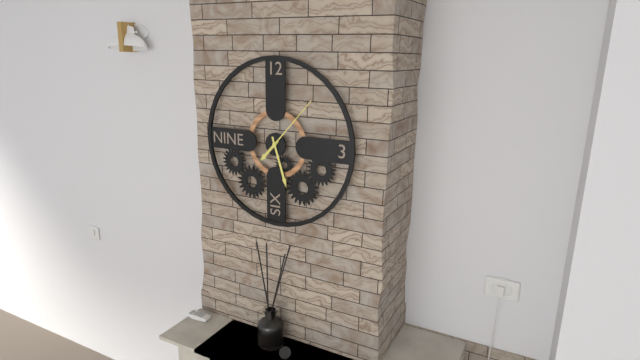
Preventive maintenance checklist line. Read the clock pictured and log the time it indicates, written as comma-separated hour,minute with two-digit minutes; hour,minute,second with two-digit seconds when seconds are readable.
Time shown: 7,27,07
